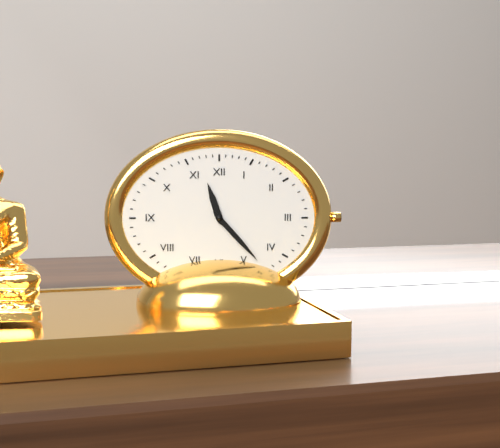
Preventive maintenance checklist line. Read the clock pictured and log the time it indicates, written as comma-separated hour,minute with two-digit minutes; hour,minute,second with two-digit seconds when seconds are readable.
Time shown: 11,23
